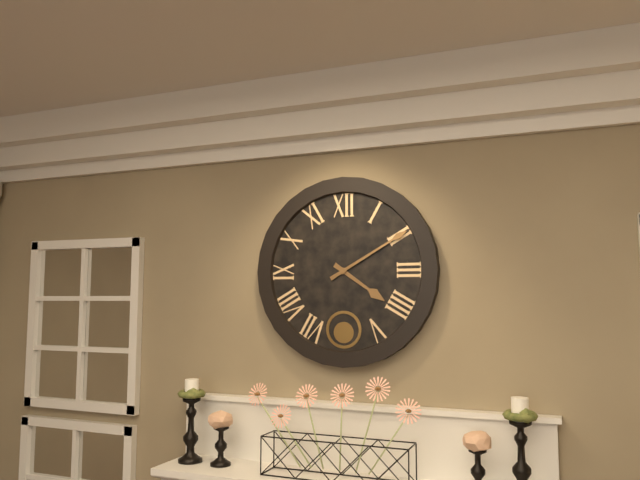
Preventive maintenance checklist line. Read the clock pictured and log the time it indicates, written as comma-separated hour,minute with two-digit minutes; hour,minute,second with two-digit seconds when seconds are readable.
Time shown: 4,10
